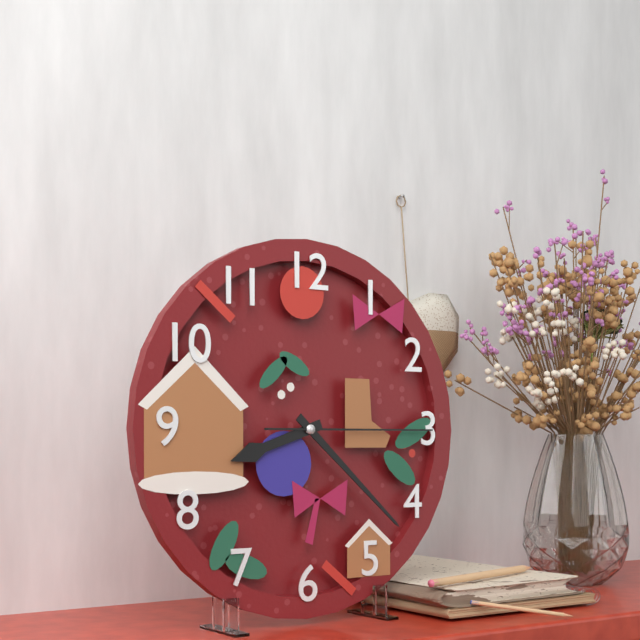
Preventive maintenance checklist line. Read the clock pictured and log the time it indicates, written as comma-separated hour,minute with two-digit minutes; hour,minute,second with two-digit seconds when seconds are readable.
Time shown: 8,22,15
